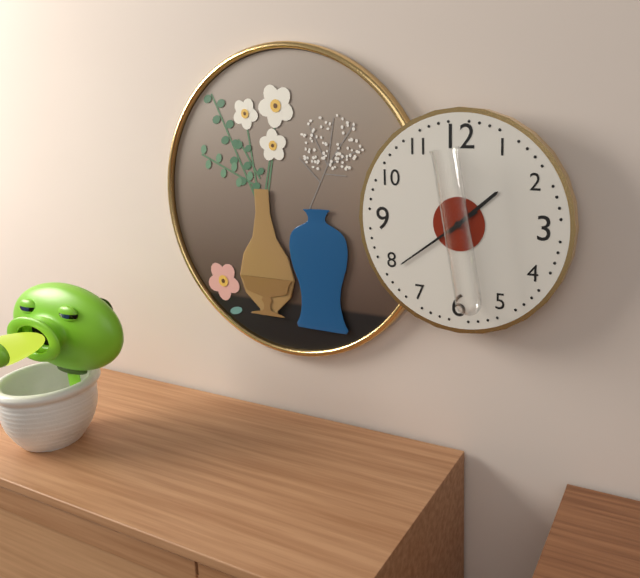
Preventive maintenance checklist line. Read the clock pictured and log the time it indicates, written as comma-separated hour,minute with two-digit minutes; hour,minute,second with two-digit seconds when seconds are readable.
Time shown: 1,39
